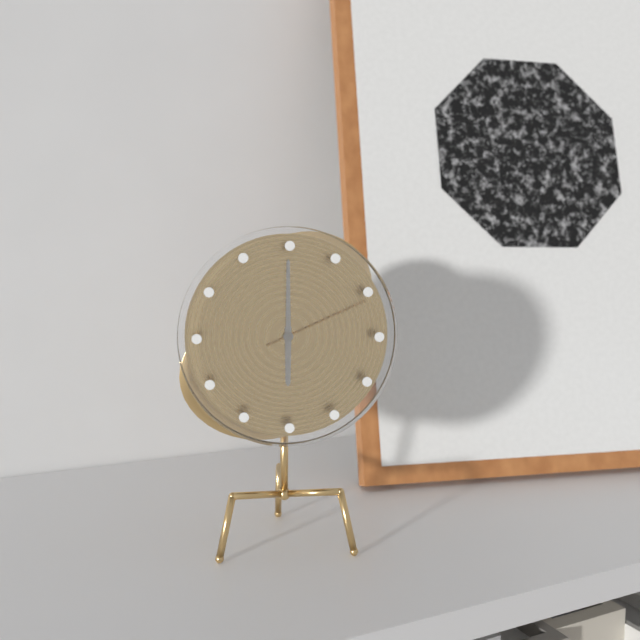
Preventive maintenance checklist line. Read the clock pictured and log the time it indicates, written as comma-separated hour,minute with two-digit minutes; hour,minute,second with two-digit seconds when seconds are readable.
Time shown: 6,00,11
